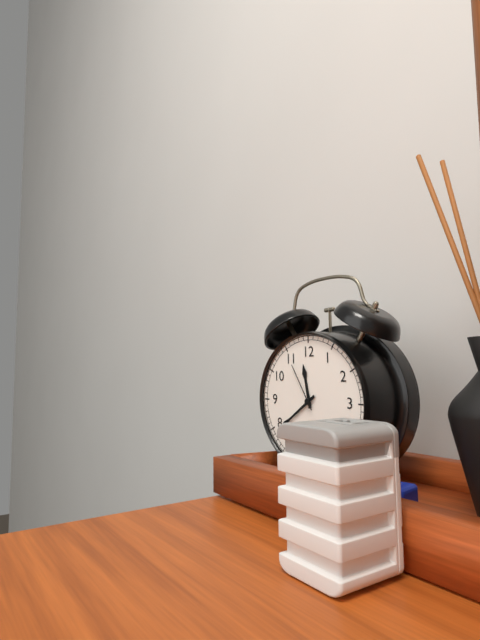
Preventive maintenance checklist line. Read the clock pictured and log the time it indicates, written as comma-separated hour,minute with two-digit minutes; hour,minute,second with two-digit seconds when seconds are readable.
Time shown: 11,39,55
